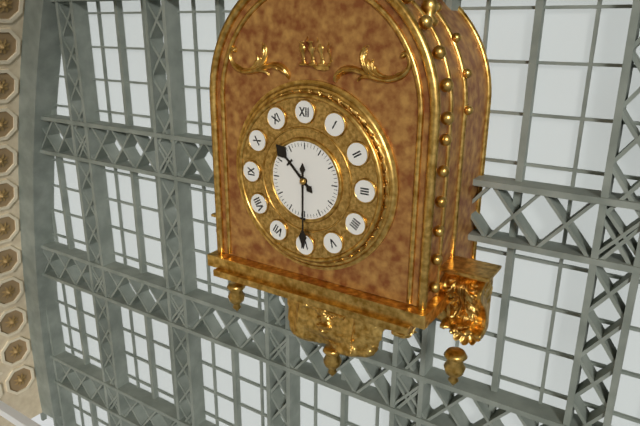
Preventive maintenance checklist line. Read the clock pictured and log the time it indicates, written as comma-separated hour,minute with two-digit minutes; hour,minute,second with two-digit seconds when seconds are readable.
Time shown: 10,30
